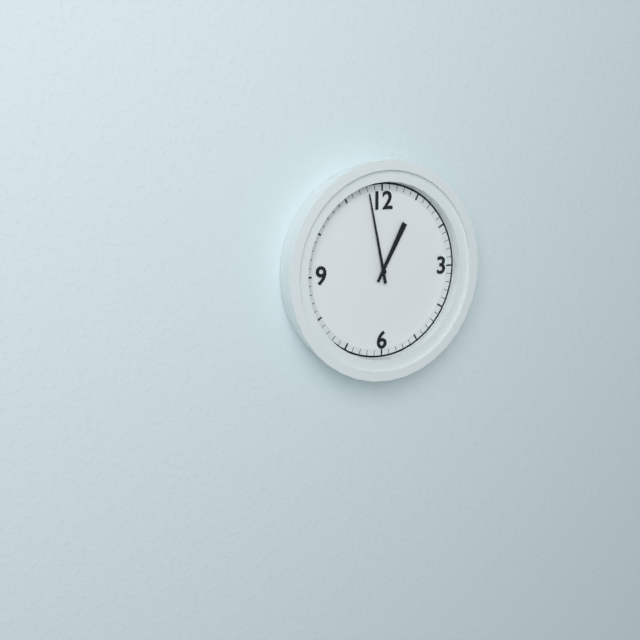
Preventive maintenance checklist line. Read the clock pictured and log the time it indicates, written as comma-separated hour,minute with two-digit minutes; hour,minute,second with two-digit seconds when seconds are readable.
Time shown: 12,58
